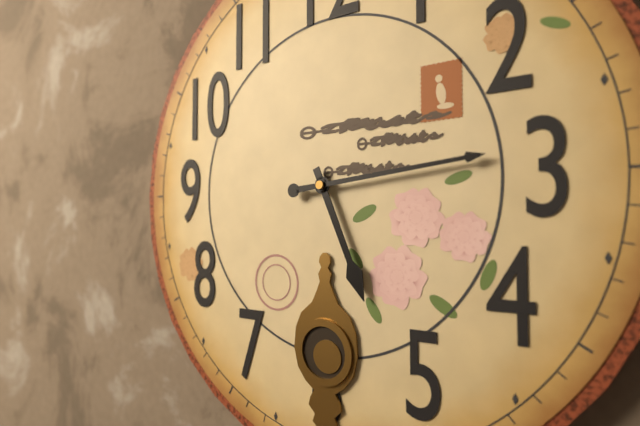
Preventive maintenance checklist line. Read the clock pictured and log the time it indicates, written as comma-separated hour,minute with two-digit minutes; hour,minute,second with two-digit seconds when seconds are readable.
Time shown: 5,14
